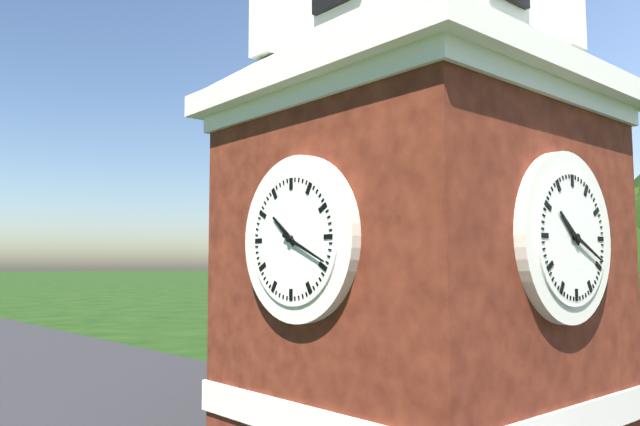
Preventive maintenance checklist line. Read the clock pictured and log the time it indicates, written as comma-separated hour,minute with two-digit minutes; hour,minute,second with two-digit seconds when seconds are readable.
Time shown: 10,19
